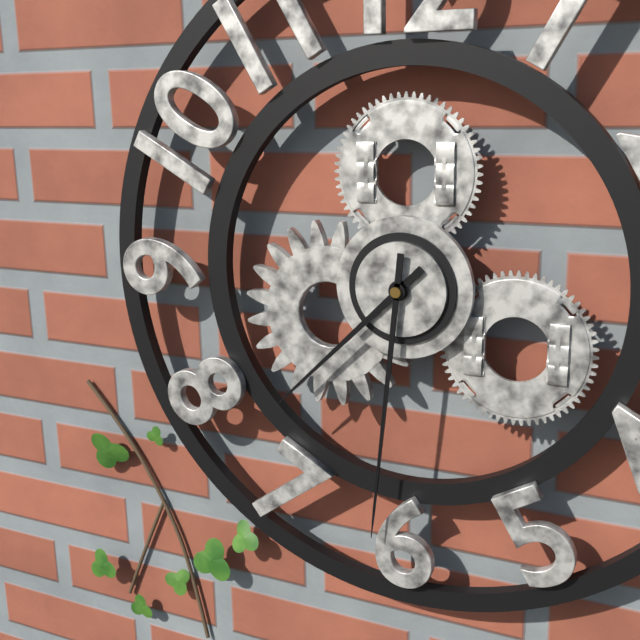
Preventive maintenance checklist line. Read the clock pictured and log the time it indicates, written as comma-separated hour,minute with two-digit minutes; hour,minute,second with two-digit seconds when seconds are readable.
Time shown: 7,31
